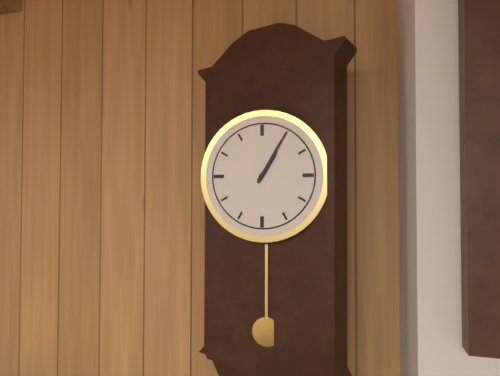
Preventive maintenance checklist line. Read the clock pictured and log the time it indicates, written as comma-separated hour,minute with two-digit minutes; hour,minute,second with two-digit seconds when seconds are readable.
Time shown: 1,05
